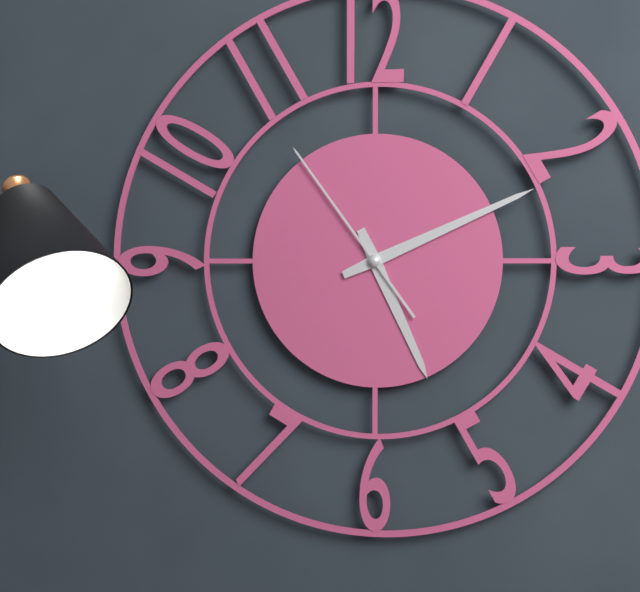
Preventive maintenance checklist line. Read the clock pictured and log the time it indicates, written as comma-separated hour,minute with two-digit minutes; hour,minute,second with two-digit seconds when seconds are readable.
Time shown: 5,11,54
